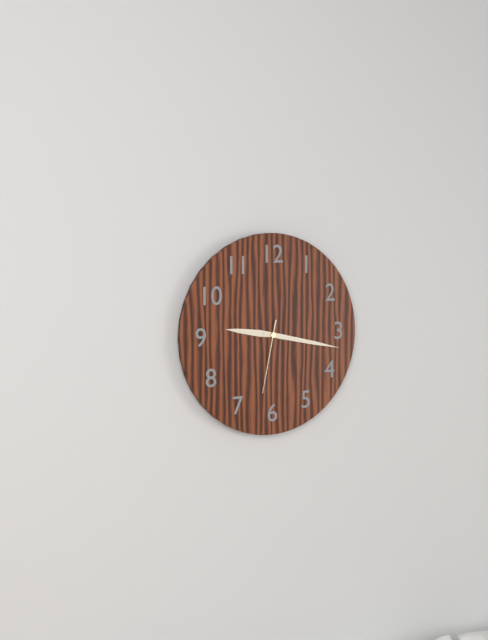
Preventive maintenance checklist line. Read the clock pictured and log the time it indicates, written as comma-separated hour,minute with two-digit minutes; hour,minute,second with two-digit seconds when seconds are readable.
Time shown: 9,17,32
